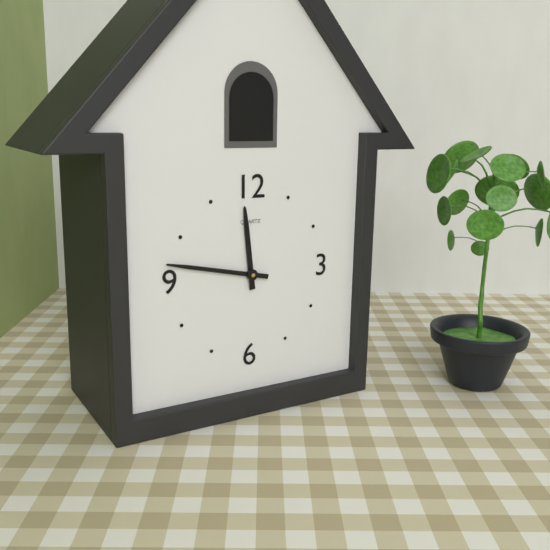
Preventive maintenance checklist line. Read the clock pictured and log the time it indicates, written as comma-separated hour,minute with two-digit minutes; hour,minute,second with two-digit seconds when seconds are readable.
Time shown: 11,47
